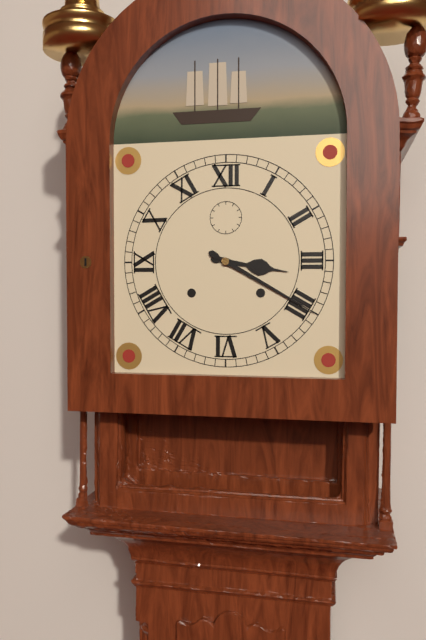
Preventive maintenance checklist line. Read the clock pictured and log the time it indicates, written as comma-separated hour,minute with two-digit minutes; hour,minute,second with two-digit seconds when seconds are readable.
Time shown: 3,20
